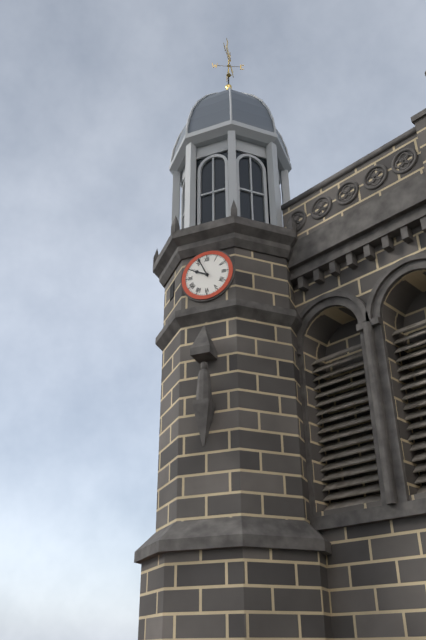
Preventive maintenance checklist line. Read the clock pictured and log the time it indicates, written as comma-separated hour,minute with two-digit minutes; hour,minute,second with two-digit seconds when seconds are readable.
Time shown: 9,56
